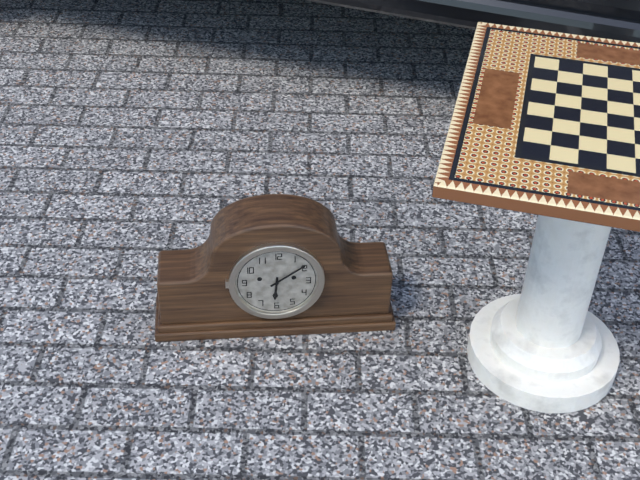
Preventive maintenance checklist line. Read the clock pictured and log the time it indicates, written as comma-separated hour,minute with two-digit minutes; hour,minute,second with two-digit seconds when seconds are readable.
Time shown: 6,09
